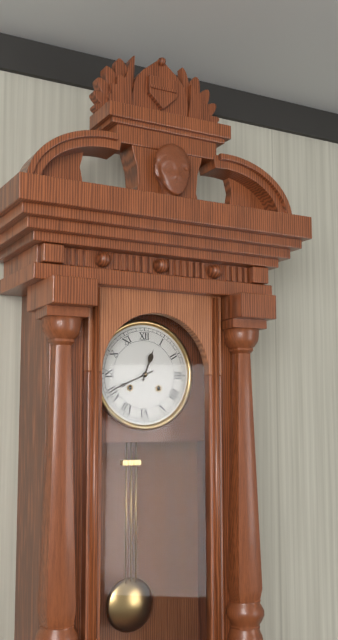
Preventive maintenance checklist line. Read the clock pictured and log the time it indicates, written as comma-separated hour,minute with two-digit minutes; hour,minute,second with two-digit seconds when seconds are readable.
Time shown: 12,41
